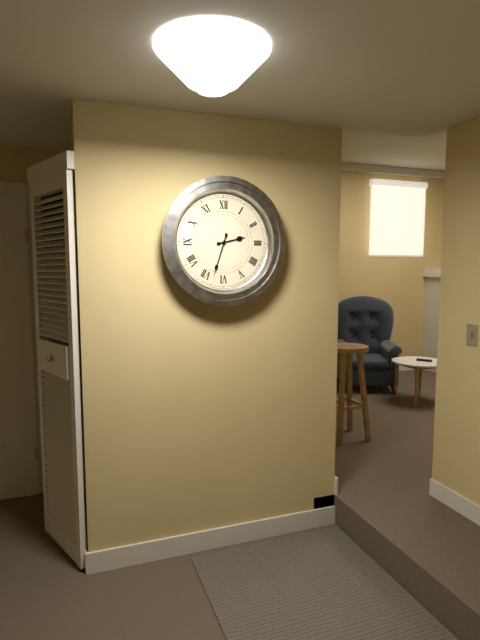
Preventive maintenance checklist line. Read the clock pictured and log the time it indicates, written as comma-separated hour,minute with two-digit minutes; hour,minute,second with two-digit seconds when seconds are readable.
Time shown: 2,33
